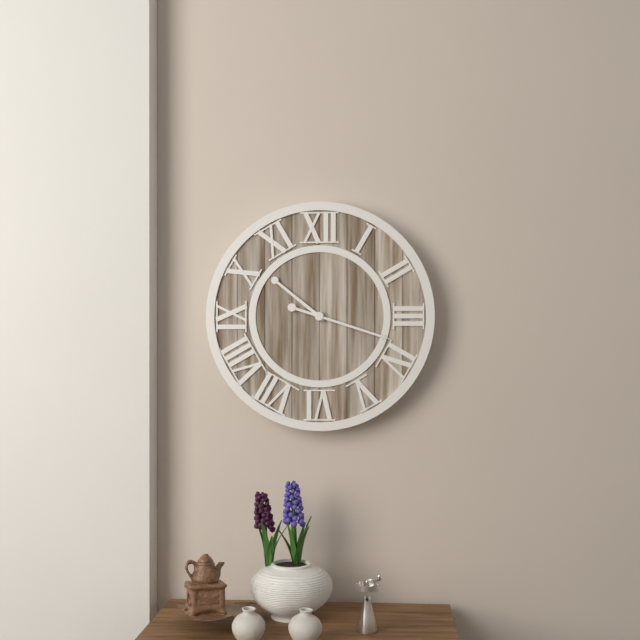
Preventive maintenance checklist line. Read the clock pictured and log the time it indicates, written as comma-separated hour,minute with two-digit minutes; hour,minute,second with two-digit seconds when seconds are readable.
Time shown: 10,18
